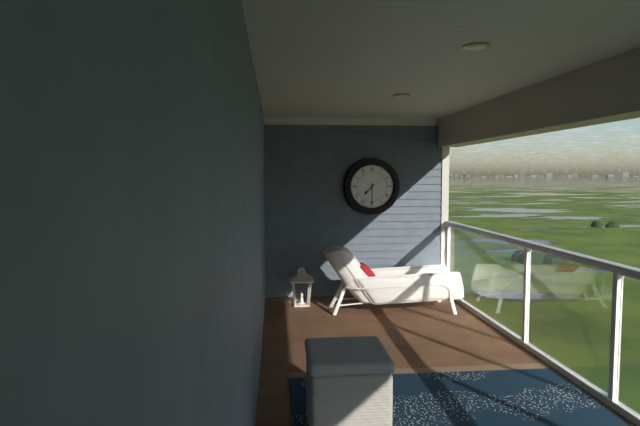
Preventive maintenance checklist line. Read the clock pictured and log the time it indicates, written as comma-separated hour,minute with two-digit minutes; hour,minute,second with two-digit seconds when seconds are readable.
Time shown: 7,30
